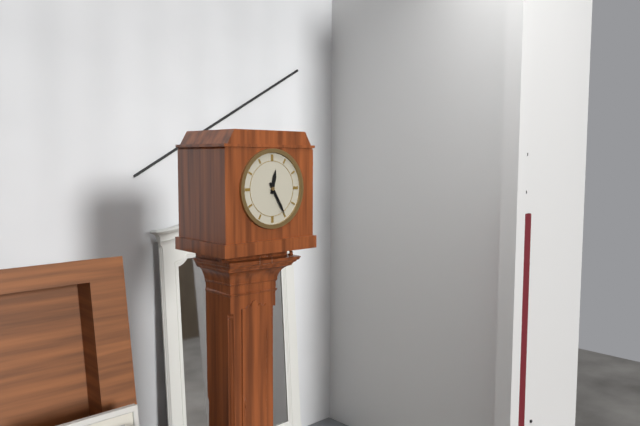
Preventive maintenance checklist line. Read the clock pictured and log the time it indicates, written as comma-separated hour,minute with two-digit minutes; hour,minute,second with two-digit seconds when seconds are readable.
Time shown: 12,25
